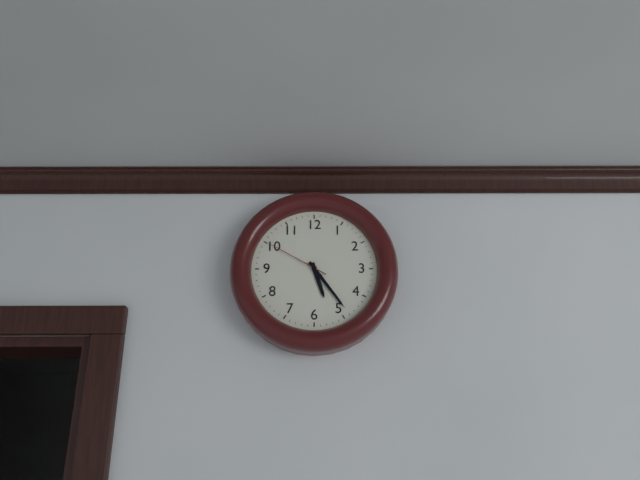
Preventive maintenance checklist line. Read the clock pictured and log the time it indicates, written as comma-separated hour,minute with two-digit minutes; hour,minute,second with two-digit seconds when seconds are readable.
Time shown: 5,24,50
